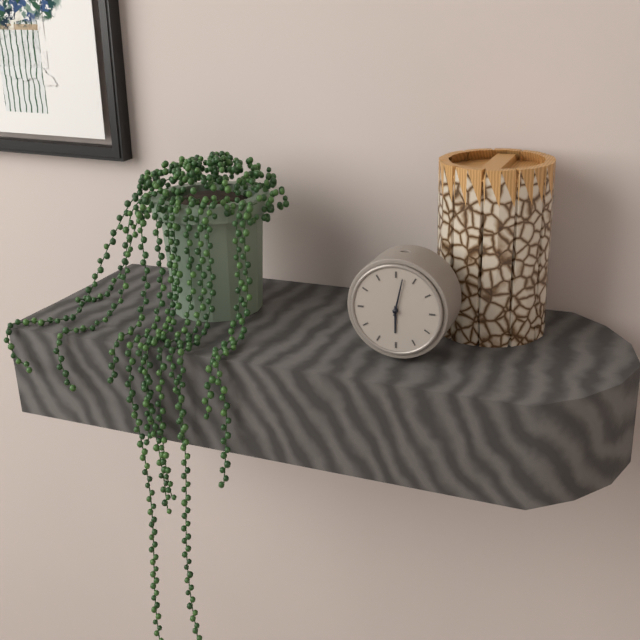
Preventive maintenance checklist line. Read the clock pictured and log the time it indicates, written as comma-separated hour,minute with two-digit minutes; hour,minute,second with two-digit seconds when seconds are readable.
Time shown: 6,02
